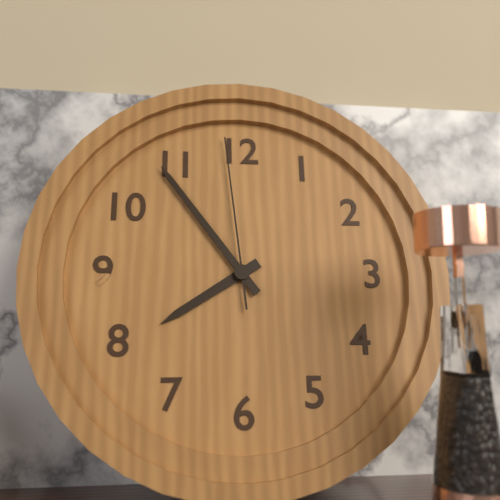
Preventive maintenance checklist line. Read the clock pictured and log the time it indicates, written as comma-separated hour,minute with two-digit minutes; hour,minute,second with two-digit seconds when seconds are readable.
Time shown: 7,54,59
